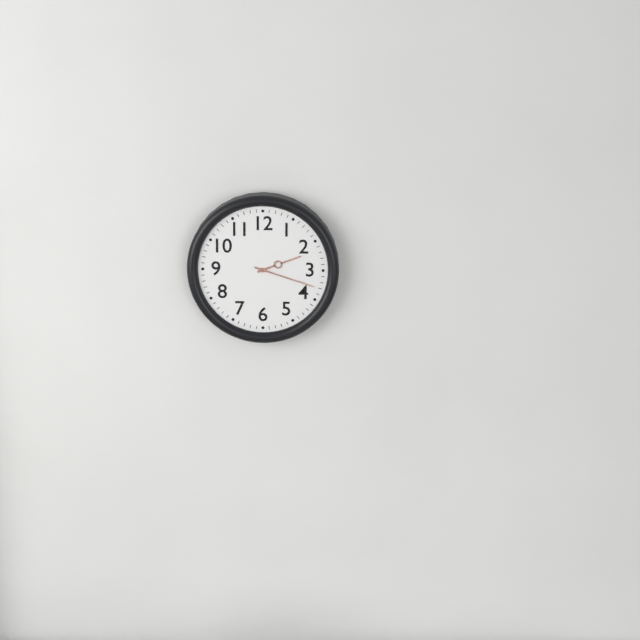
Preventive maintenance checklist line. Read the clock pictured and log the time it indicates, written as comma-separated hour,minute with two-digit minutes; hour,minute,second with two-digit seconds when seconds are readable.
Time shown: 2,18
